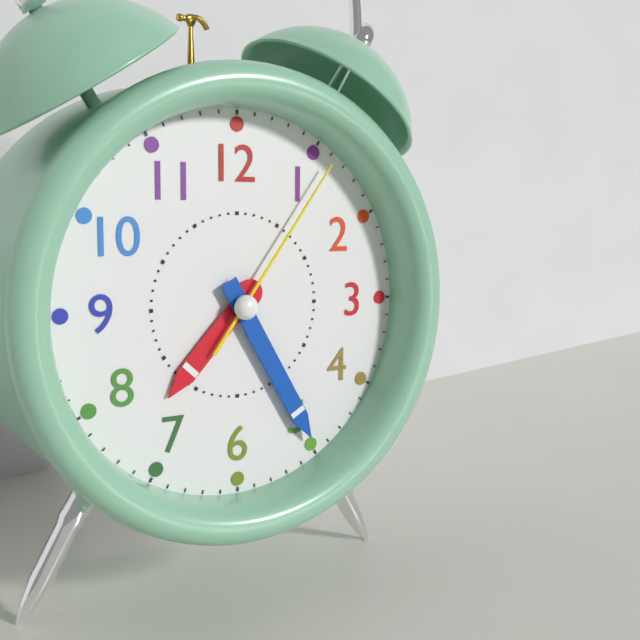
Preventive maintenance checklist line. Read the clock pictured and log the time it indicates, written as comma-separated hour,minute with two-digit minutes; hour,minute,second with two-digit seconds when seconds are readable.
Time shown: 7,25,06
